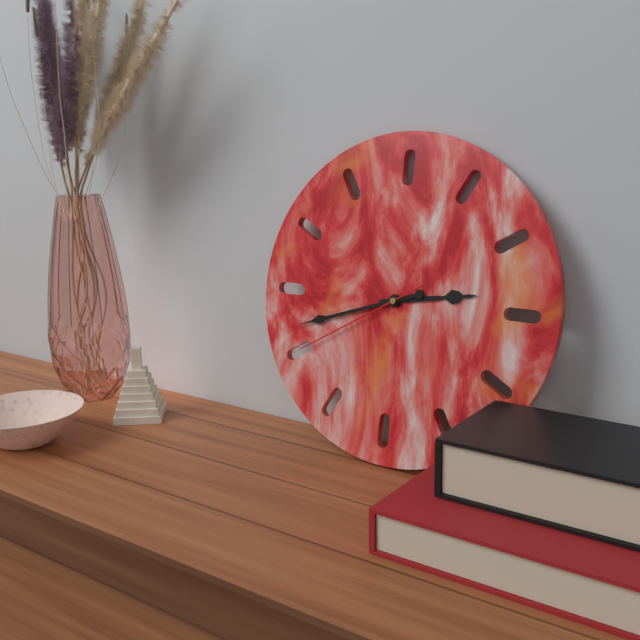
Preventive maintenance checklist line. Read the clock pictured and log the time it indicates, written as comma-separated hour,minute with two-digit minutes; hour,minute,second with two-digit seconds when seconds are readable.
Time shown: 2,42,40
